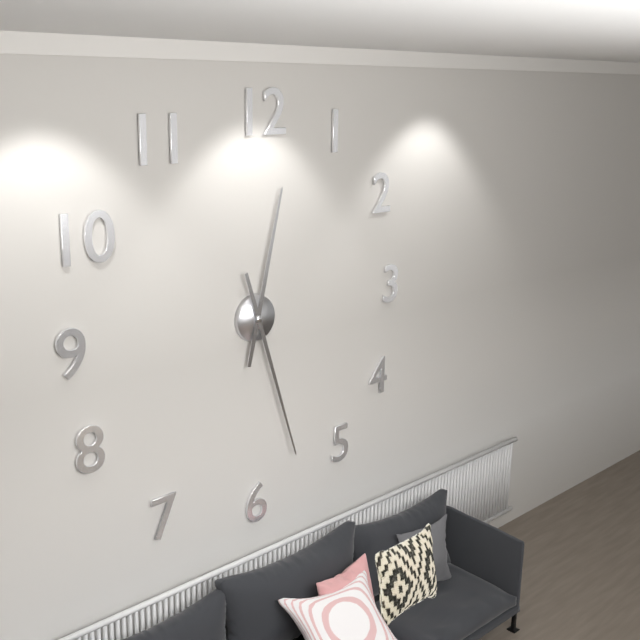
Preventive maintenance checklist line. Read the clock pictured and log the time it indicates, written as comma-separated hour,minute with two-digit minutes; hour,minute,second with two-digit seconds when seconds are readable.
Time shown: 12,27
